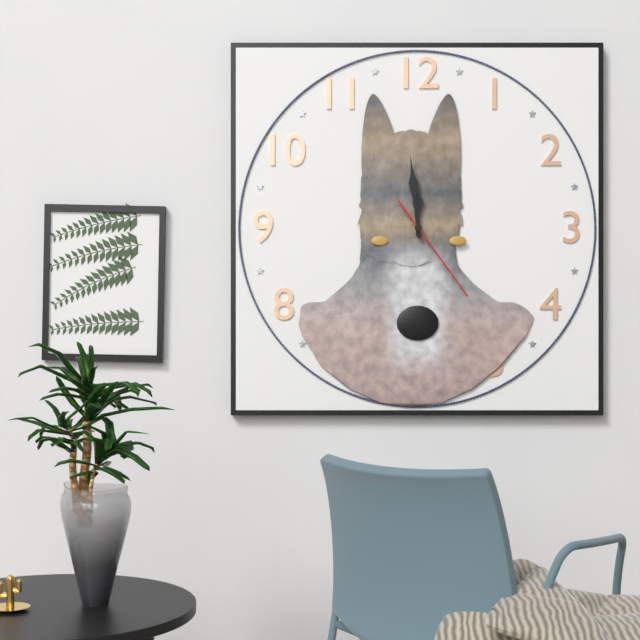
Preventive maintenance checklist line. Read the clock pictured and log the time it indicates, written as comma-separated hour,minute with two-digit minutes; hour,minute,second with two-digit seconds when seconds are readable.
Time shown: 11,59,24
